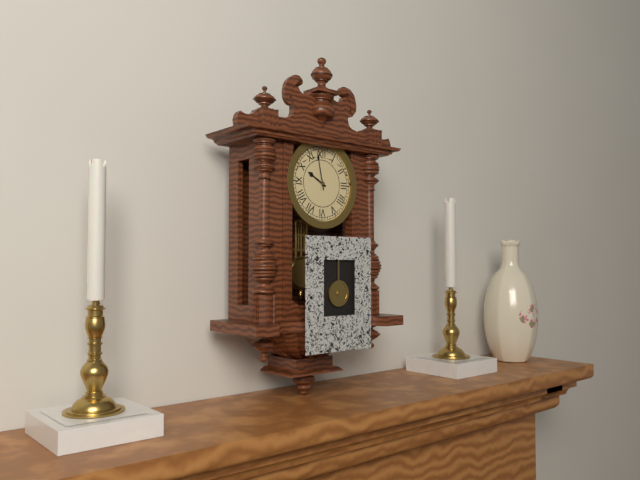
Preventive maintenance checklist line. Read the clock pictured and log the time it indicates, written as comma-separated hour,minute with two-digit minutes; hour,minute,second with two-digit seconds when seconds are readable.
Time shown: 9,58
